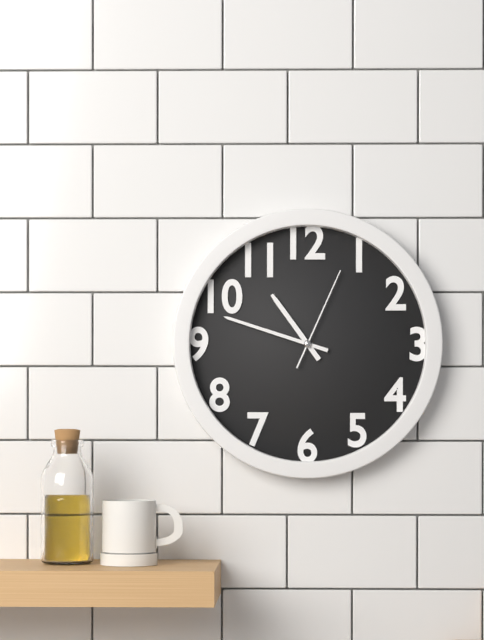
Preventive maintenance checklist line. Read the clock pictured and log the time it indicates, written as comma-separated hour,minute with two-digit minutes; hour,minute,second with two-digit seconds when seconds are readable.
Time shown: 10,48,04
